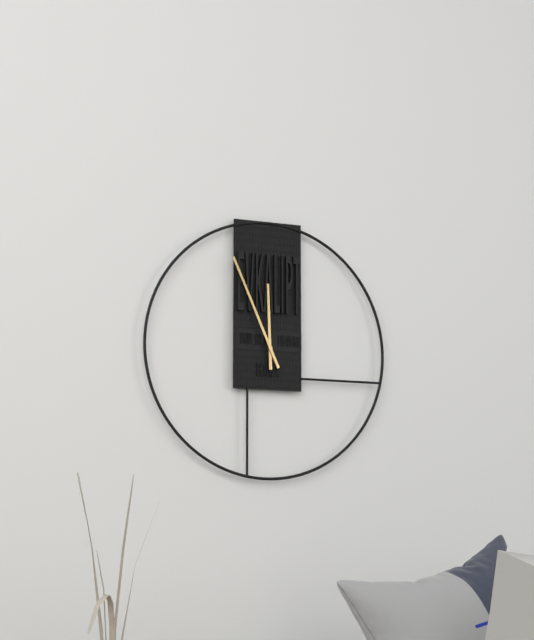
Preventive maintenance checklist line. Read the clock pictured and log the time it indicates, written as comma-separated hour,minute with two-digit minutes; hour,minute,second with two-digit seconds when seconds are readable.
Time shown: 11,56
